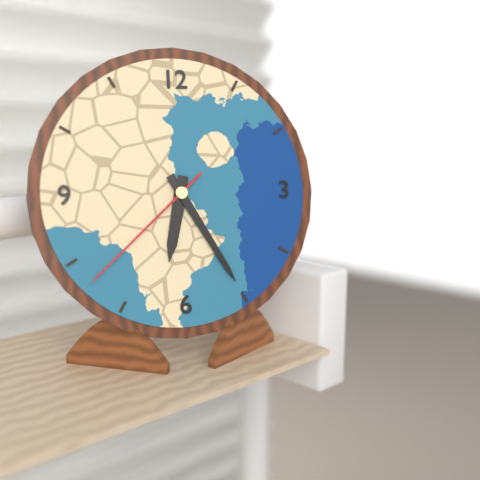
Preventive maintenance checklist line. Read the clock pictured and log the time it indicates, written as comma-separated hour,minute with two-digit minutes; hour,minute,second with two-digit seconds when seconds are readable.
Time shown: 6,25,38
